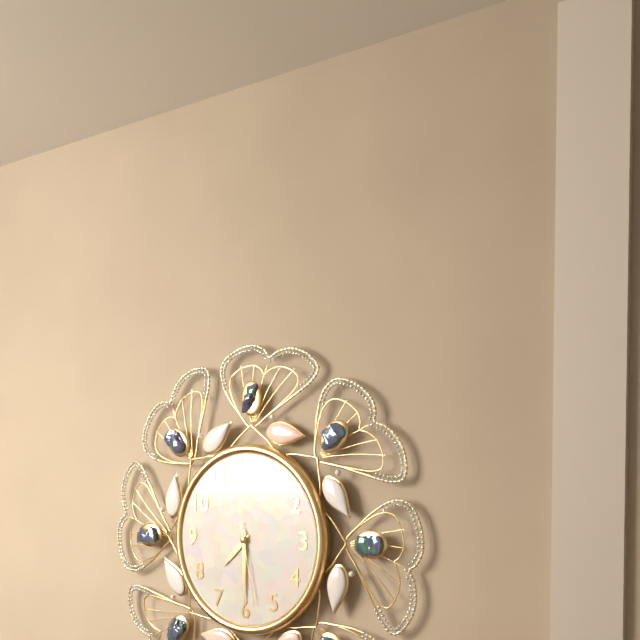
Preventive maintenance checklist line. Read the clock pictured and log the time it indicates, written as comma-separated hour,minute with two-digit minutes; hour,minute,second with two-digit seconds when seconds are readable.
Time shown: 7,30,28
